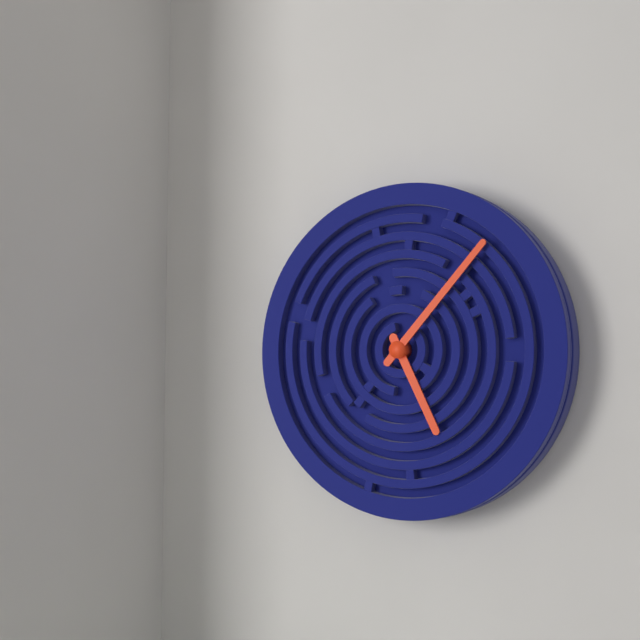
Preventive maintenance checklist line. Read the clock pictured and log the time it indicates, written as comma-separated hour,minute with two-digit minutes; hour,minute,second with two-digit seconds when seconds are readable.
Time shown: 5,07
